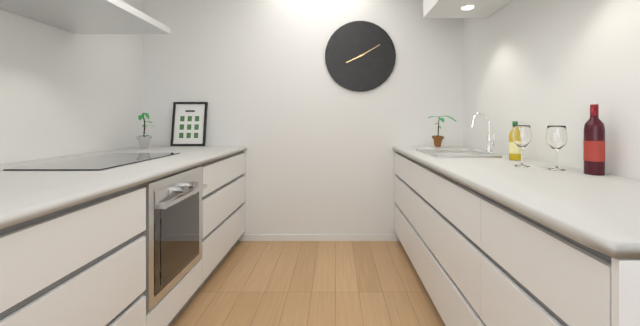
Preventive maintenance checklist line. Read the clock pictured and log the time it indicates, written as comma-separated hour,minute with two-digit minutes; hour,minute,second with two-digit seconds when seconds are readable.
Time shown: 8,10
